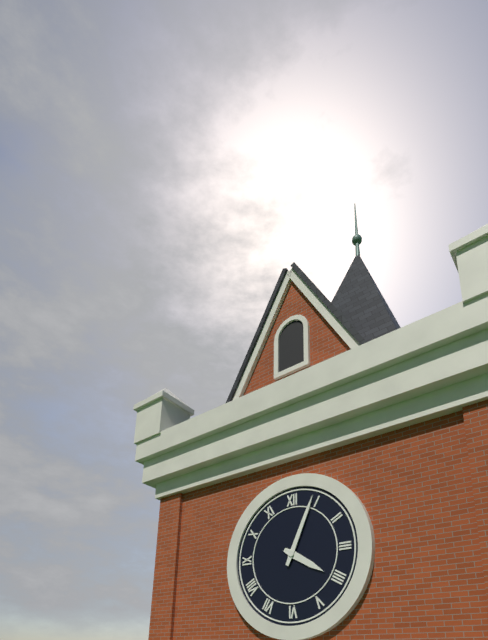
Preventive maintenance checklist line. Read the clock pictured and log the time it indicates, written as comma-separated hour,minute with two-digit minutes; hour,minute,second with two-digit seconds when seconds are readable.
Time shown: 4,04
